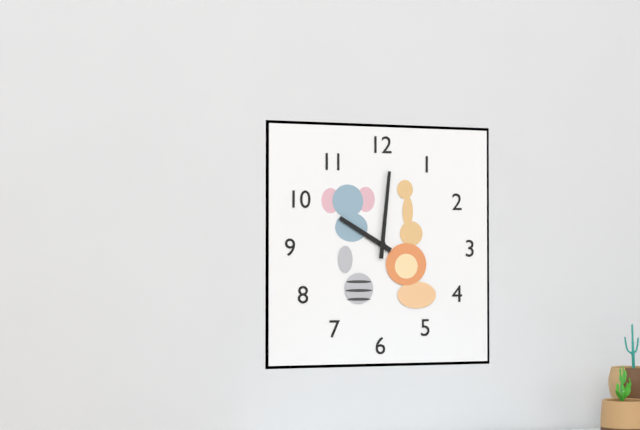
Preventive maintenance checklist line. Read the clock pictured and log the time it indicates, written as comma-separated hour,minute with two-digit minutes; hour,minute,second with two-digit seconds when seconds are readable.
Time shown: 10,01
